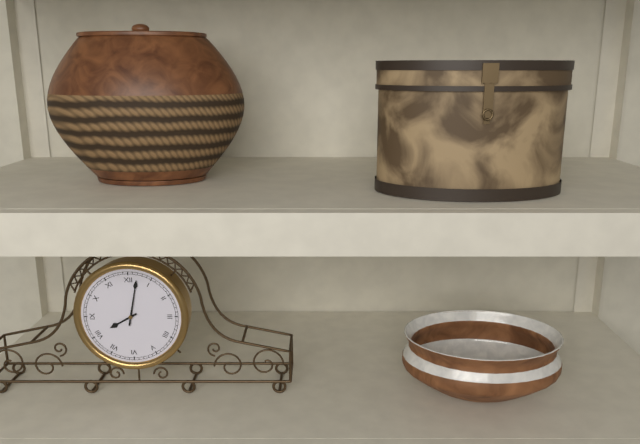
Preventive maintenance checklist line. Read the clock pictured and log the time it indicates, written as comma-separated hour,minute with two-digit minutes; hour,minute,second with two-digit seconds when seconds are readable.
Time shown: 8,02
